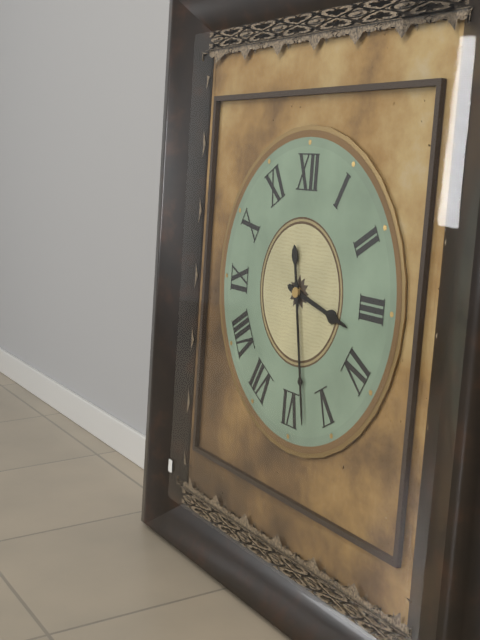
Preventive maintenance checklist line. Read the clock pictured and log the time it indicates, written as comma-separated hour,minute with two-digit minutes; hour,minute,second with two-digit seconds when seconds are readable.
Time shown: 3,28
